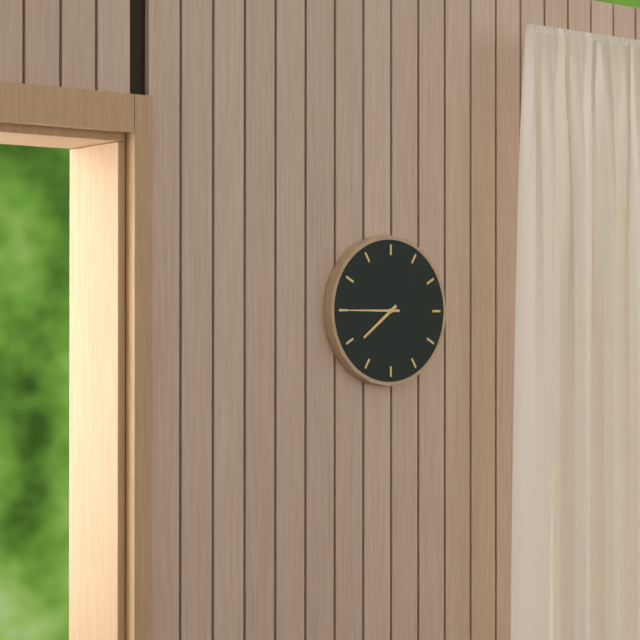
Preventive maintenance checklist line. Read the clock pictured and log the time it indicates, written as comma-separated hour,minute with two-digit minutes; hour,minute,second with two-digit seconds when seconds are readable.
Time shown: 7,45
